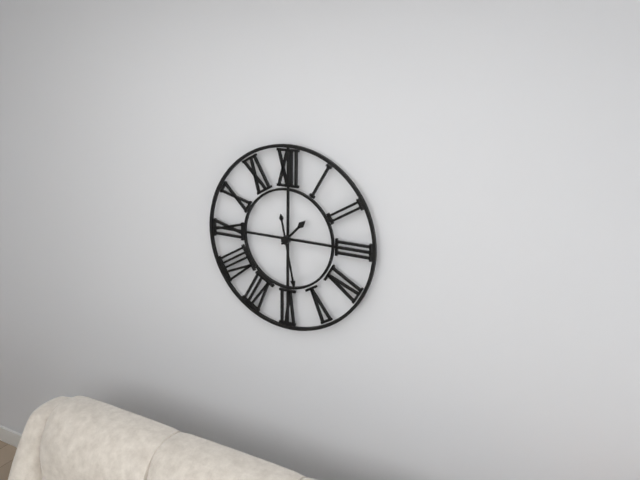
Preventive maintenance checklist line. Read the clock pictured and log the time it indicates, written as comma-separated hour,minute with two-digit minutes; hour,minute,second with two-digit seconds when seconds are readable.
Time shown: 1,28
